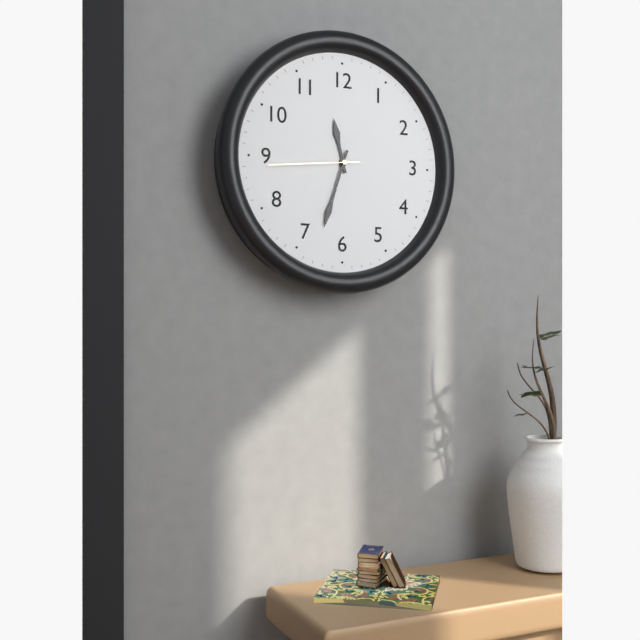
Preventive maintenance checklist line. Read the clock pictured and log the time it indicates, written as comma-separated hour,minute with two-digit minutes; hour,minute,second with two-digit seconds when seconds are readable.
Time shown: 11,33,44
